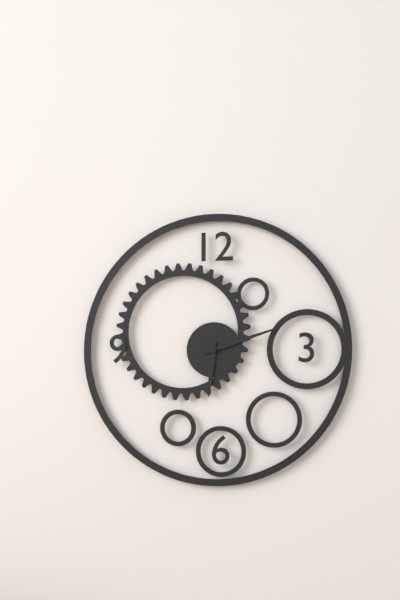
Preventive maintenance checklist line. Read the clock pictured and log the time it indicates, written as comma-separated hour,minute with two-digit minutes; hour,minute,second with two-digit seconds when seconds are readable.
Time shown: 6,12
